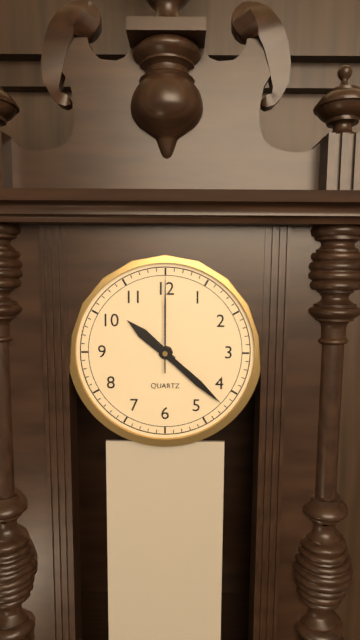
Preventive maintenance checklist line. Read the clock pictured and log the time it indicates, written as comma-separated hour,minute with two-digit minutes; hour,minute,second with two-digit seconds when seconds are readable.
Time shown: 10,22,00
